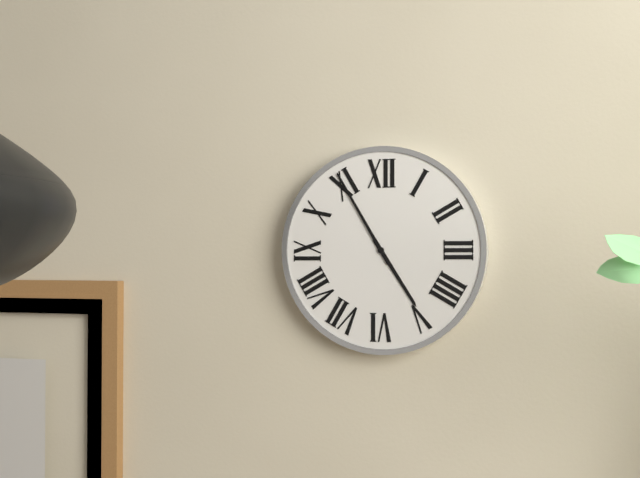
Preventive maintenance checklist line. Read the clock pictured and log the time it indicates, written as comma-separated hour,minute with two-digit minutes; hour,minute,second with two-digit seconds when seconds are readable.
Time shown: 4,55
